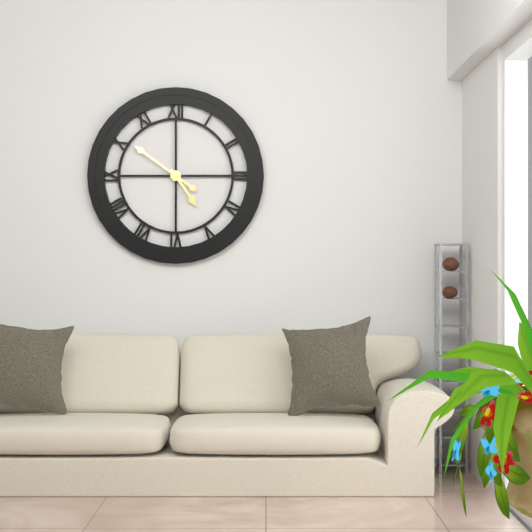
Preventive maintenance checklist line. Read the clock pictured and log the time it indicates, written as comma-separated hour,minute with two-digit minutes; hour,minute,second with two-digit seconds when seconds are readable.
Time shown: 4,51
